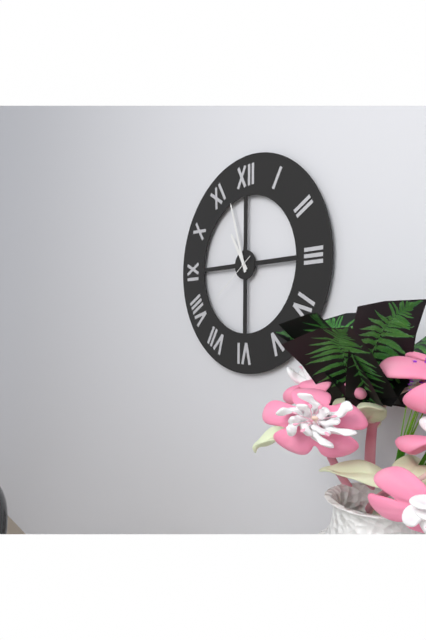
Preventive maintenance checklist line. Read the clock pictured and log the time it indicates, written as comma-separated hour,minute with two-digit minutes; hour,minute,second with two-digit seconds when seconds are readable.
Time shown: 10,57,39
